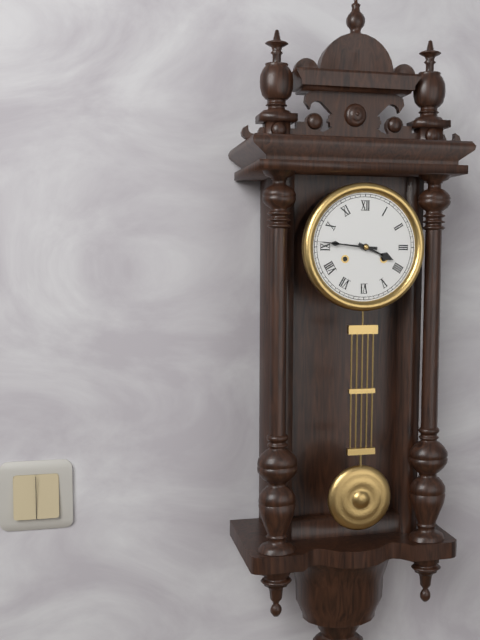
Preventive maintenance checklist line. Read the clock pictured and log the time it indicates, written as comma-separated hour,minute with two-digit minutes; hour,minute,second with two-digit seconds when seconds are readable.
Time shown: 3,46
